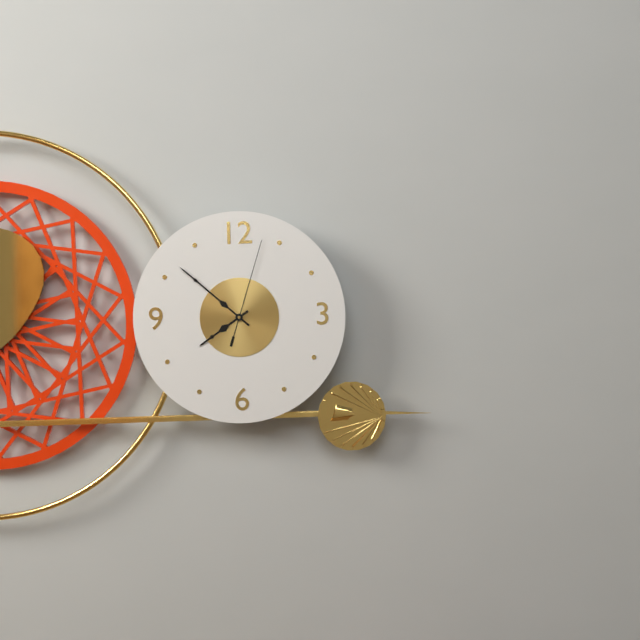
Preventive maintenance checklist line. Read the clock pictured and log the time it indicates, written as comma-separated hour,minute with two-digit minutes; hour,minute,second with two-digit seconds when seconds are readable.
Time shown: 7,52,03
